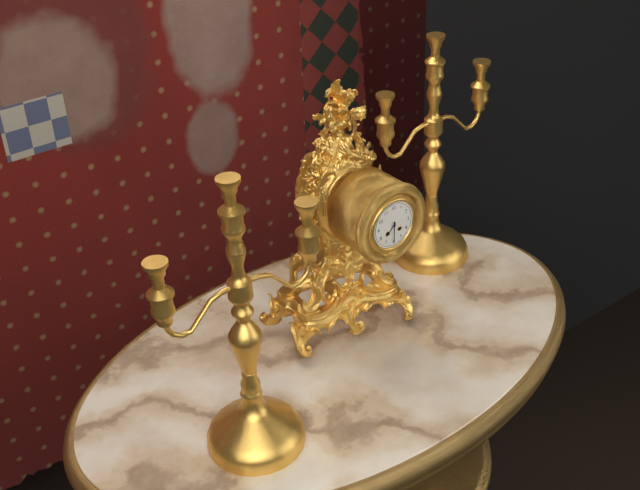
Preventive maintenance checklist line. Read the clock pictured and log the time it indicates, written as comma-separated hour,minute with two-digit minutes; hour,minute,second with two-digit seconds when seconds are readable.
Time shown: 7,30
